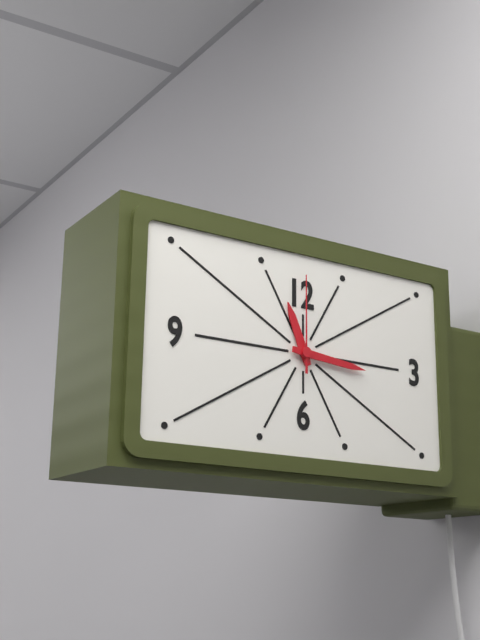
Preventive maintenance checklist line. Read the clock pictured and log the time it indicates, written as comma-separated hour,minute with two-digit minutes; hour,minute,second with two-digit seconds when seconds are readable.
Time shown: 11,16,00
